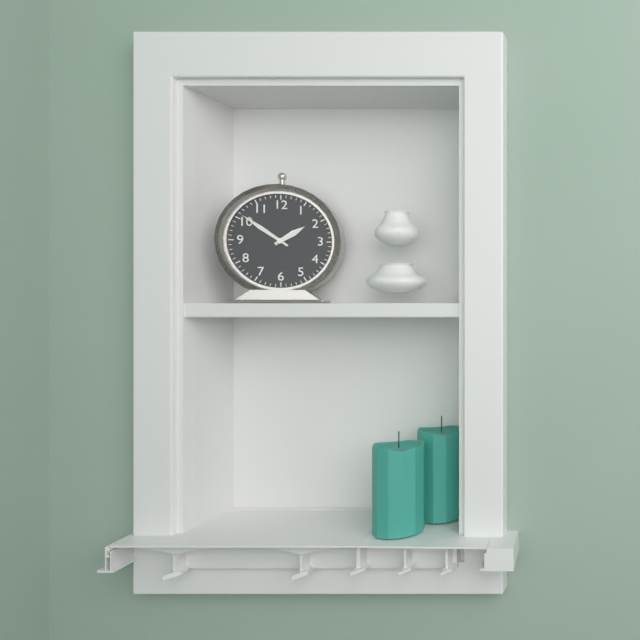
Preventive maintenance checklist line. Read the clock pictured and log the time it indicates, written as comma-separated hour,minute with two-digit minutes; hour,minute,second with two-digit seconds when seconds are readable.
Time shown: 1,51
